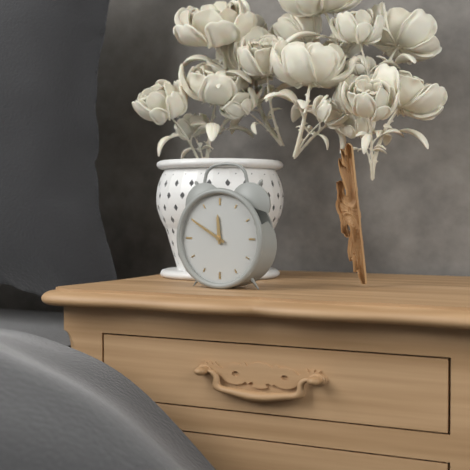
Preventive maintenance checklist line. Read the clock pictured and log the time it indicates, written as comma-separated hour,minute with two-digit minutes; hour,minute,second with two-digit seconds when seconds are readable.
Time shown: 11,50
